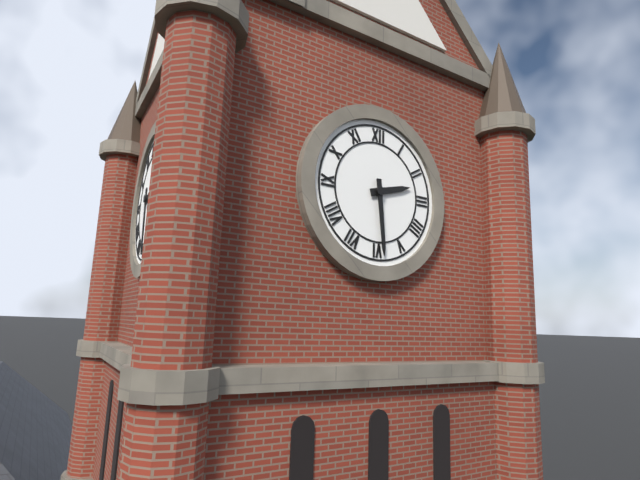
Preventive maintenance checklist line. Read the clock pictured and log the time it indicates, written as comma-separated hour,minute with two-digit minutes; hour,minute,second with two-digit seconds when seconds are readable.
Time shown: 2,29
